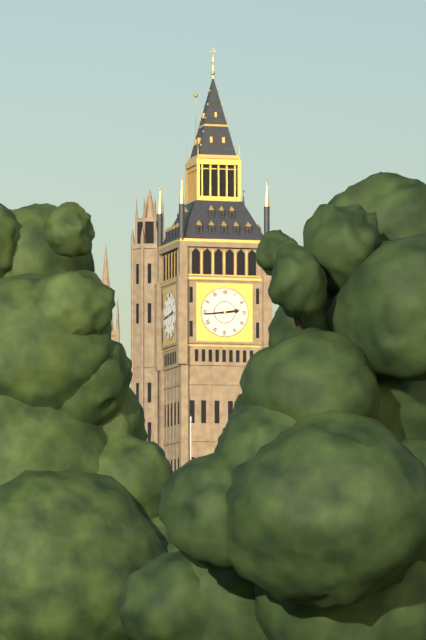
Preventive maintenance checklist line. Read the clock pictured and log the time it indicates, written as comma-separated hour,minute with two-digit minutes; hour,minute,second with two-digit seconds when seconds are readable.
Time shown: 2,44
